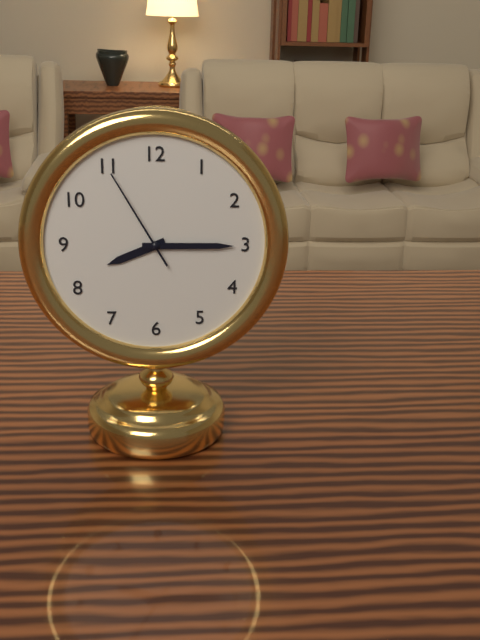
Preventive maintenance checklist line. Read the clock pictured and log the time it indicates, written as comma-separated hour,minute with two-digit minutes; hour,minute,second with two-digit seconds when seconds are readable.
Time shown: 8,15,55
